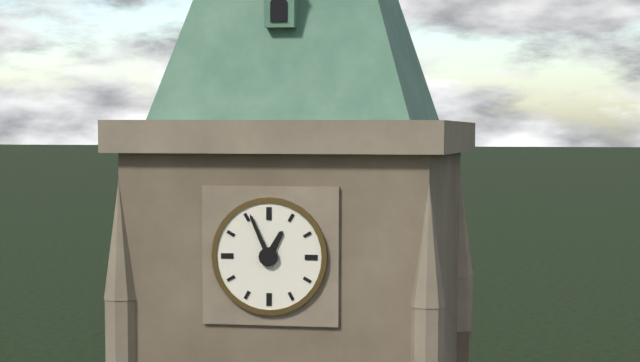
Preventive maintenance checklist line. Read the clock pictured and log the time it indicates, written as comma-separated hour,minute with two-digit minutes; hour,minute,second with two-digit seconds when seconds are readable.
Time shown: 12,56
